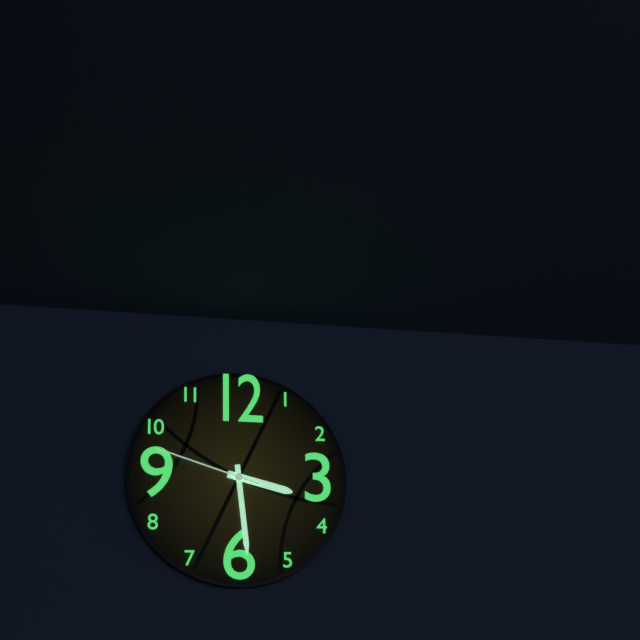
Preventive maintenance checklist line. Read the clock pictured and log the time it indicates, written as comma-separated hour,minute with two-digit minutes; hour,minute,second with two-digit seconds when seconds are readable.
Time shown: 3,29,48
